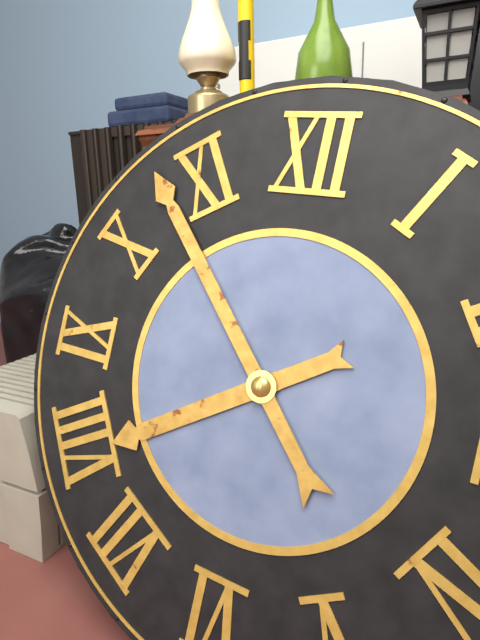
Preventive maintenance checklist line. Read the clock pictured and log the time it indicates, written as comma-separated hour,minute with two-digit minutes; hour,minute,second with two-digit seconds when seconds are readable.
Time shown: 7,53
